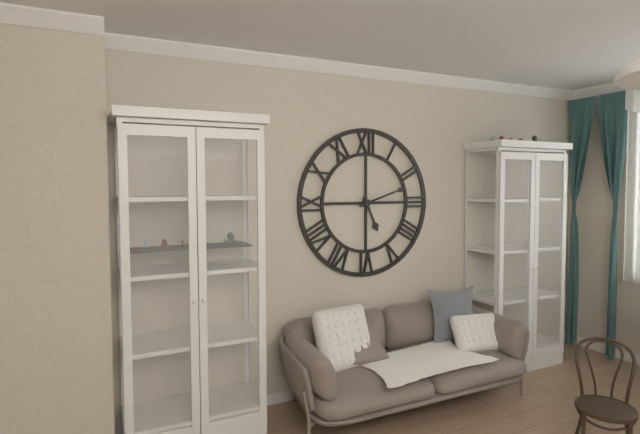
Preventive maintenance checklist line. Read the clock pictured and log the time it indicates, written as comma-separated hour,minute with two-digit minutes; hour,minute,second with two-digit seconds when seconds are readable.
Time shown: 5,12
